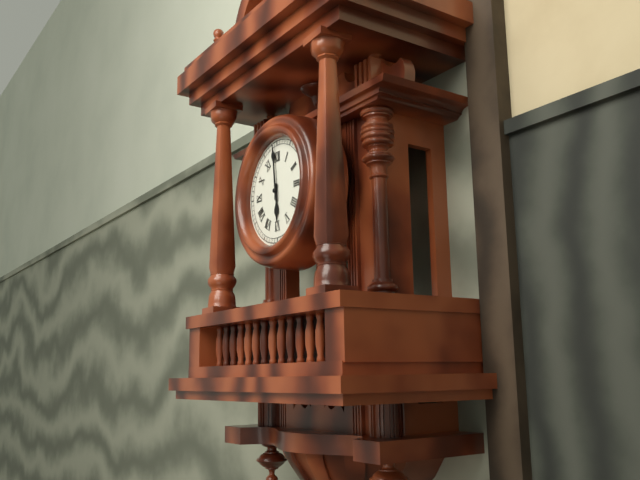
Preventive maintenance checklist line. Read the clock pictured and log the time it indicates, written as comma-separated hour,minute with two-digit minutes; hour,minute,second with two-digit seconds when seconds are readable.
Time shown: 5,59
